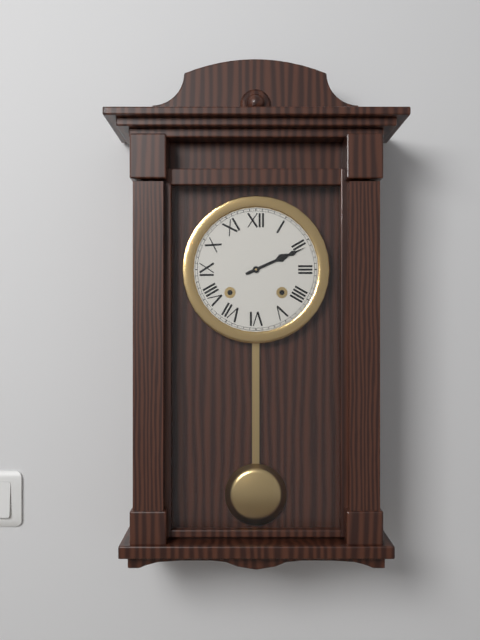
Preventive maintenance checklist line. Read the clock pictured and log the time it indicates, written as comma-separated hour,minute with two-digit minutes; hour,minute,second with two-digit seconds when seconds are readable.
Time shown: 2,11
